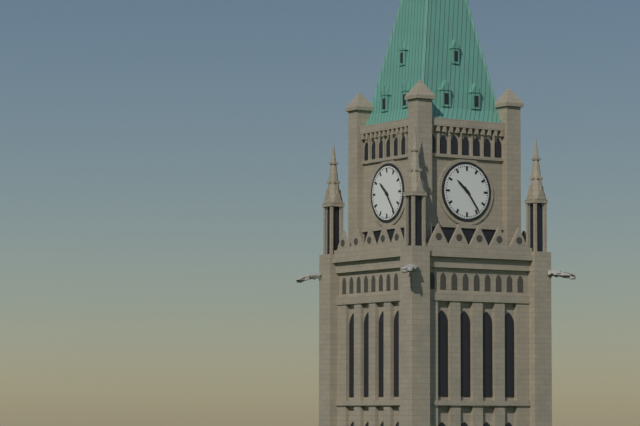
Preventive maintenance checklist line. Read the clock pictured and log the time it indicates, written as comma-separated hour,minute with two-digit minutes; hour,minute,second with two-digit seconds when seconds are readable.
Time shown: 10,24
